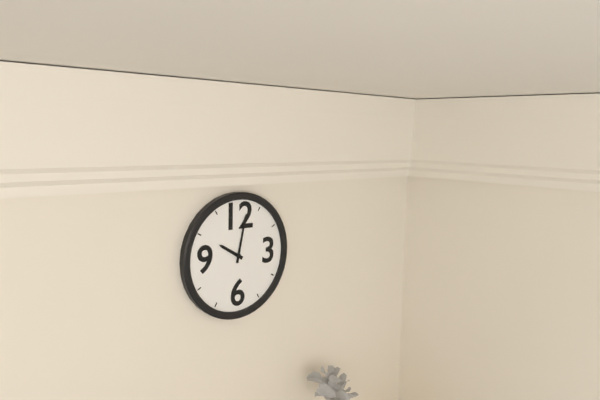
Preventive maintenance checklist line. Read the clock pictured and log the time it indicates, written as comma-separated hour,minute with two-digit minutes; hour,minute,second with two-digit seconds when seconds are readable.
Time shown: 10,02
